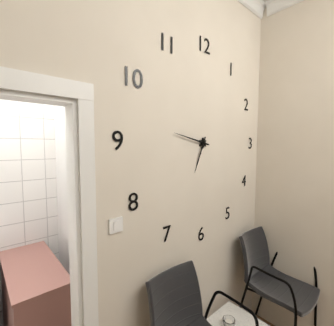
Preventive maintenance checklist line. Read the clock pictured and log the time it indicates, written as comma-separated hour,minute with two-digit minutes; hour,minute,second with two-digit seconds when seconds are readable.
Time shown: 6,47
